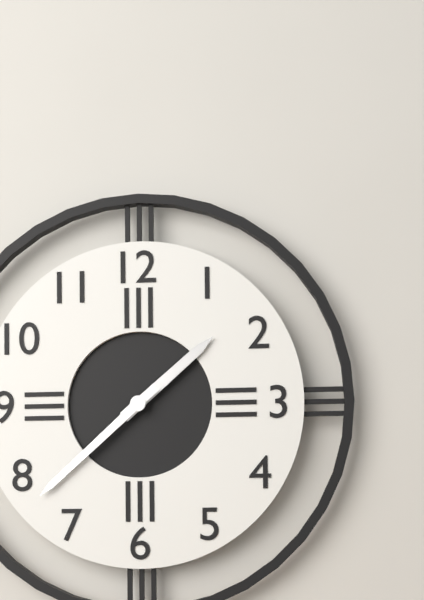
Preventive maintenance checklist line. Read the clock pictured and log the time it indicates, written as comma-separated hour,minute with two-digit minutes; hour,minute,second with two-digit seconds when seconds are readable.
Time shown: 1,38
